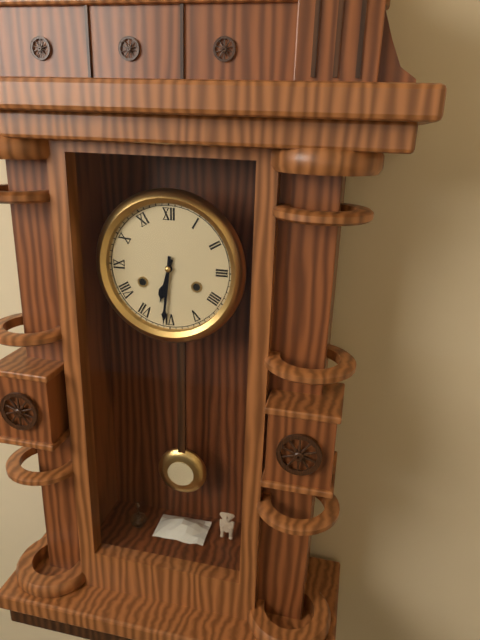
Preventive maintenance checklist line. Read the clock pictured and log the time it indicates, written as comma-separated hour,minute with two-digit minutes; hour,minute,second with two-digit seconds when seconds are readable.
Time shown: 6,31
